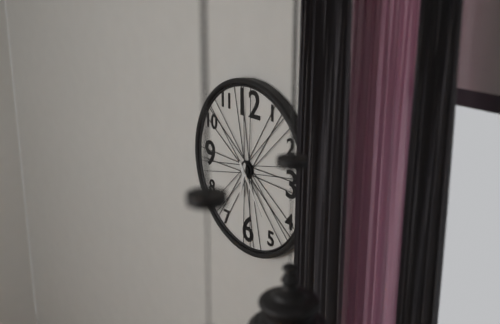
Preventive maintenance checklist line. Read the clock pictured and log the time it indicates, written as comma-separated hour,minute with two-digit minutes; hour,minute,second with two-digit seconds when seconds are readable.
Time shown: 6,24
